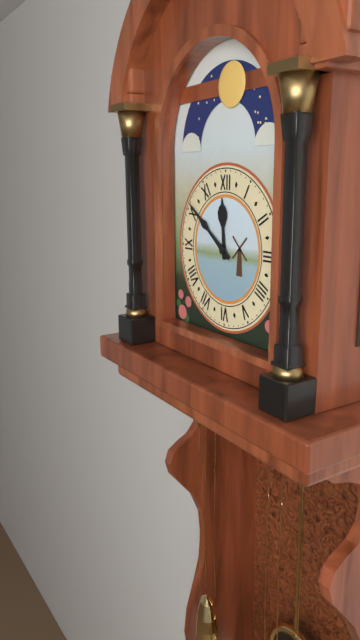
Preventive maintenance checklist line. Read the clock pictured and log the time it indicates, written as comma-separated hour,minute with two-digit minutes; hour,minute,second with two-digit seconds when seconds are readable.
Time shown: 11,51
